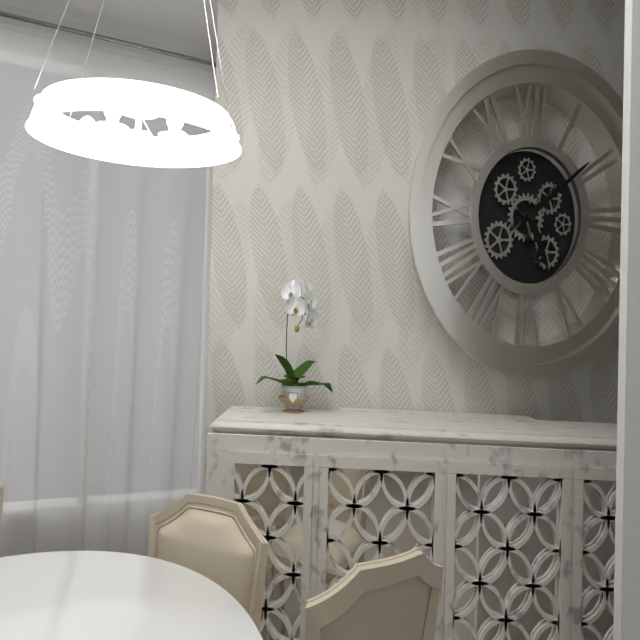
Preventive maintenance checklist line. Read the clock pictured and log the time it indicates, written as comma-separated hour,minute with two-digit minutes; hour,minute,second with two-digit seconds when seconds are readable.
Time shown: 5,09
